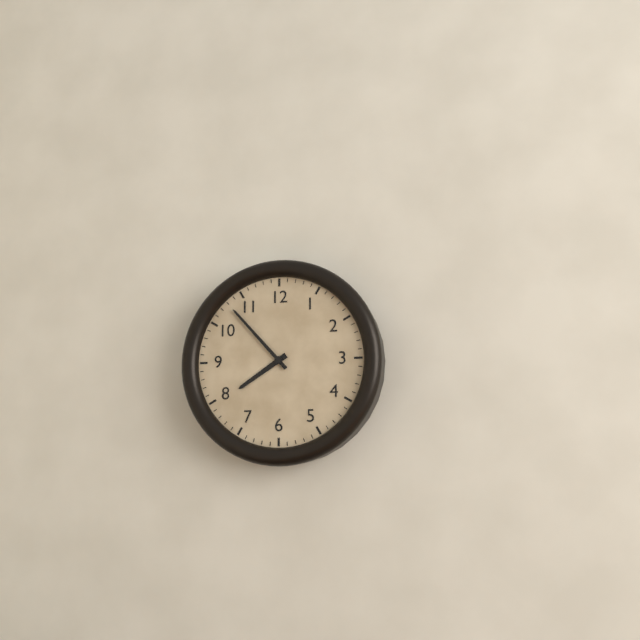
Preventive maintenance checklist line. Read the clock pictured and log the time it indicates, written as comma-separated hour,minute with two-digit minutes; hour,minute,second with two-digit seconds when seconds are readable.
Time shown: 7,53
